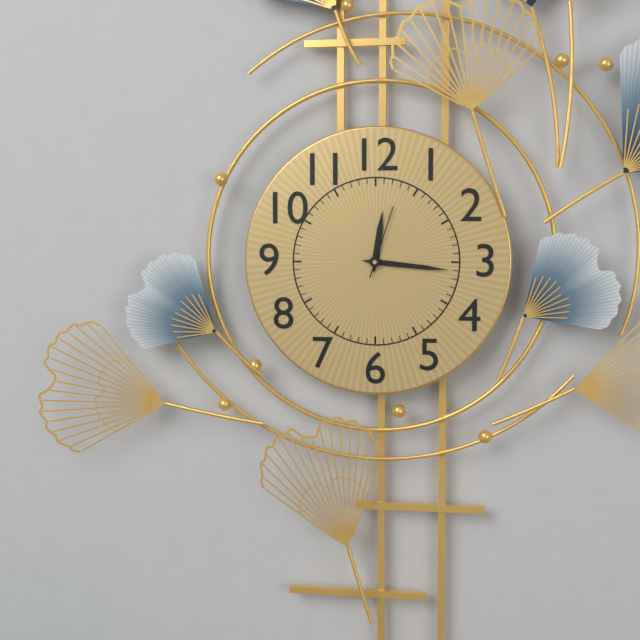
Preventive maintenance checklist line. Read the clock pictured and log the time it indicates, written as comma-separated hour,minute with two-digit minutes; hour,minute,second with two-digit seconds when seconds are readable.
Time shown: 12,16,03
